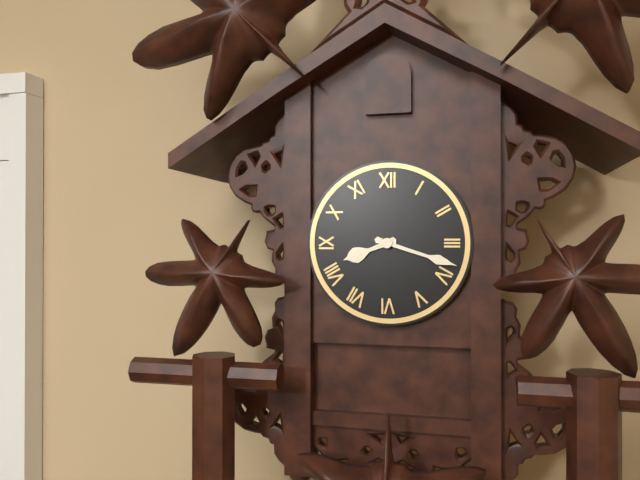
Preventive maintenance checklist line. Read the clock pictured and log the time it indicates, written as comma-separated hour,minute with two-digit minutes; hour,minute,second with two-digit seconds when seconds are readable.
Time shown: 8,18
